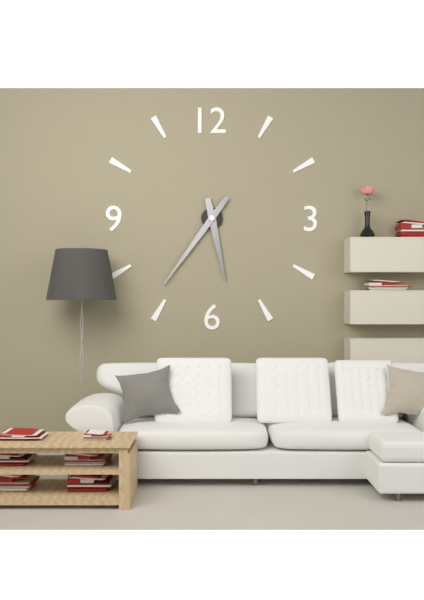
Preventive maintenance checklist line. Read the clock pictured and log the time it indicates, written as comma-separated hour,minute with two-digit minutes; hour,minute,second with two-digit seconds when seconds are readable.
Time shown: 5,36
